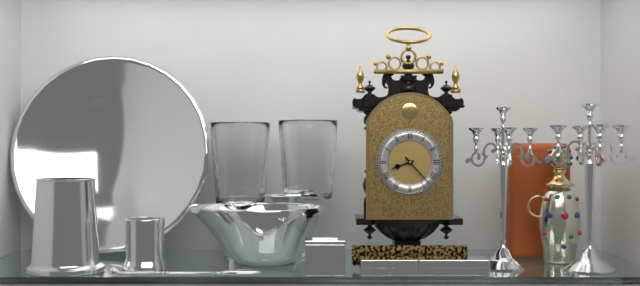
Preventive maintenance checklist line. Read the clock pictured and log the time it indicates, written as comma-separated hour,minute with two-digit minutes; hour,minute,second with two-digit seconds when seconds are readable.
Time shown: 8,23
